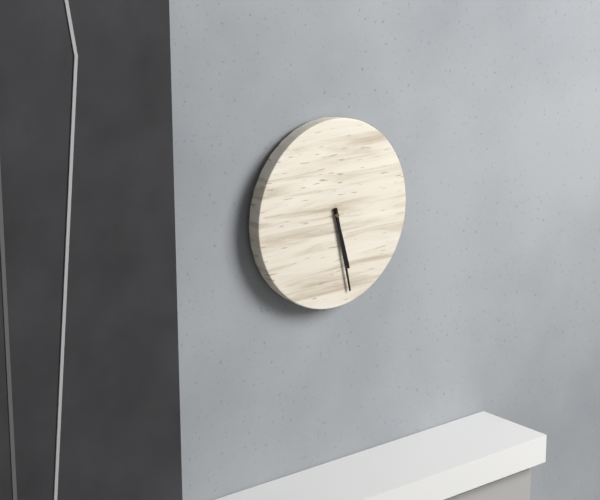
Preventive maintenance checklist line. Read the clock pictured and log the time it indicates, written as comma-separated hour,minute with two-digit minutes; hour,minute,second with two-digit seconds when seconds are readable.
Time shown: 5,28
